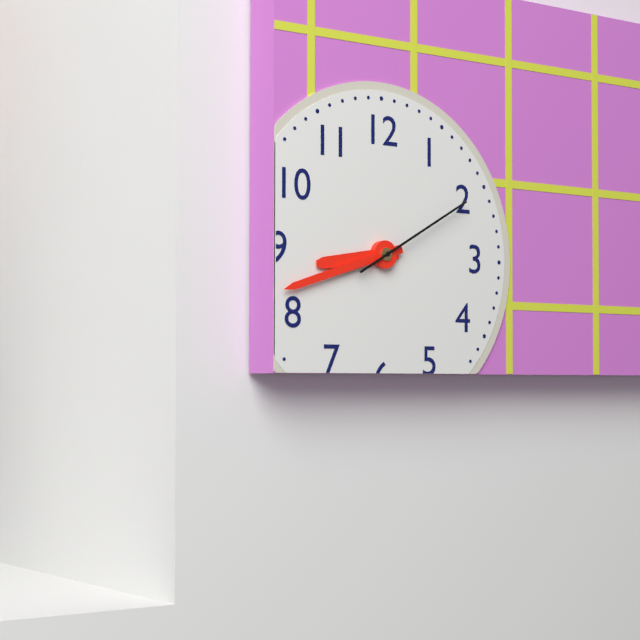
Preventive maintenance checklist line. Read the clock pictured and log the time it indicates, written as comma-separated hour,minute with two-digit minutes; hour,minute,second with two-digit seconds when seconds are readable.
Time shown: 8,42,10
